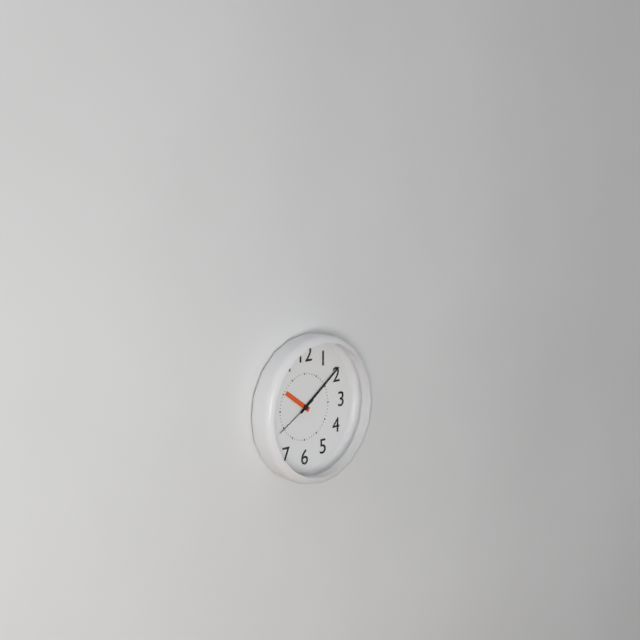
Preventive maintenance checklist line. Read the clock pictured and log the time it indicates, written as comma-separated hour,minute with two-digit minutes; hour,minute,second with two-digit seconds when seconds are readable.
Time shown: 10,09
